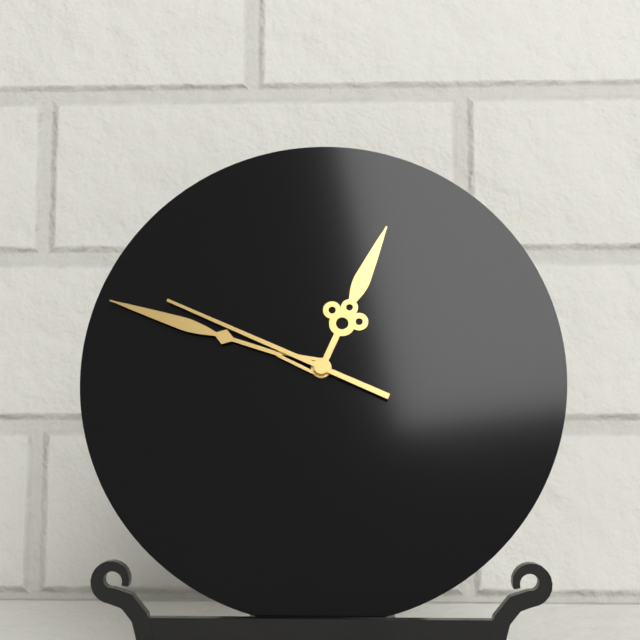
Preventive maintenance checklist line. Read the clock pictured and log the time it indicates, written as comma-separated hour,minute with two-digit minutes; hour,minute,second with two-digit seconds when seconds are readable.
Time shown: 12,48,49
